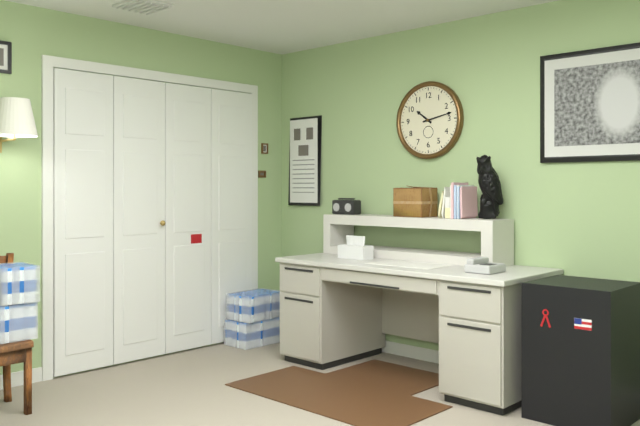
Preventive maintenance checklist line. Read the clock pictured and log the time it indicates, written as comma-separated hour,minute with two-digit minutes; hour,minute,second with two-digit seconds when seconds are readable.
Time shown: 10,13
